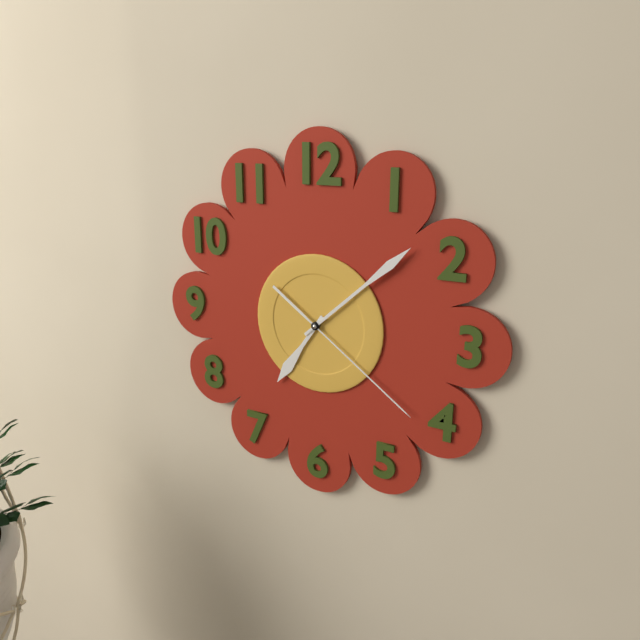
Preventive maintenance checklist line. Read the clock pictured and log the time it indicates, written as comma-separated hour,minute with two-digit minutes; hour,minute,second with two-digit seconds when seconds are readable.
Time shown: 7,08,21
